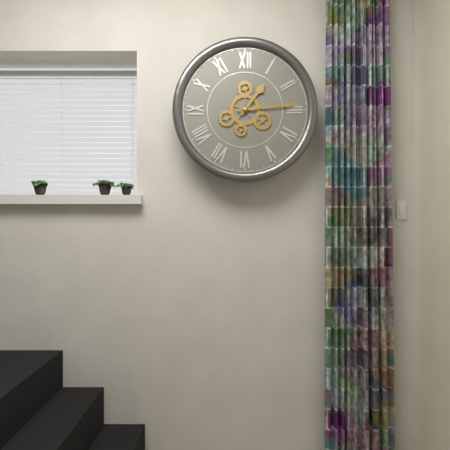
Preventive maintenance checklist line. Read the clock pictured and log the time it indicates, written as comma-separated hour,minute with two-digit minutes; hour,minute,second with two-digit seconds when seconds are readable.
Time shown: 1,14
